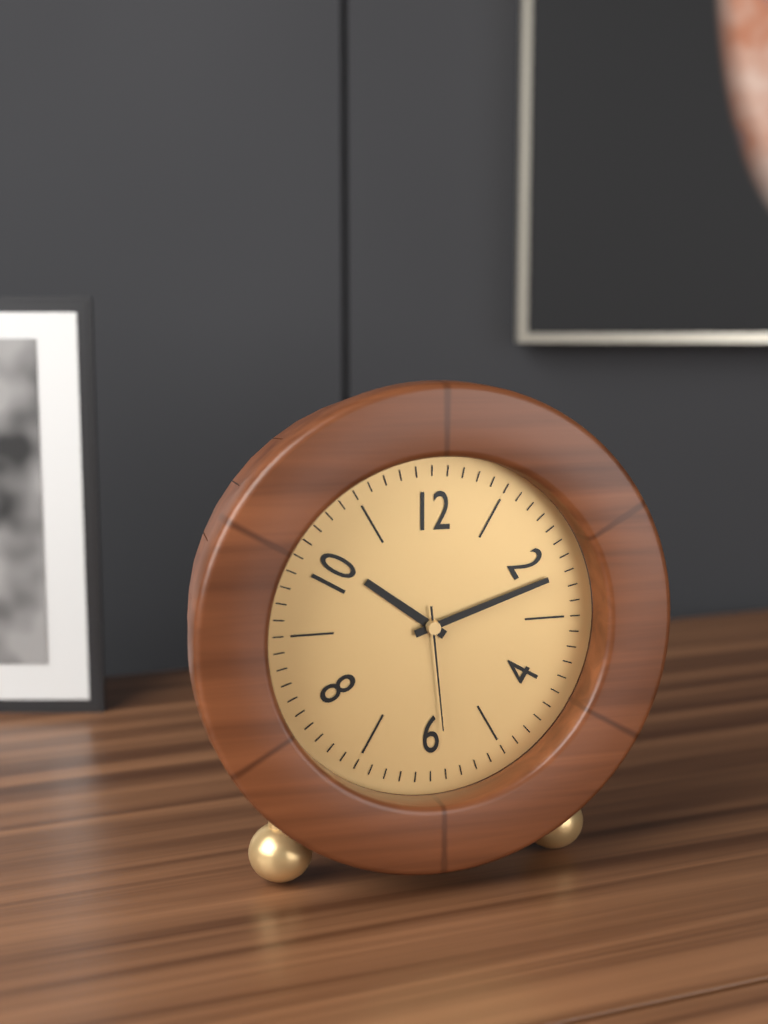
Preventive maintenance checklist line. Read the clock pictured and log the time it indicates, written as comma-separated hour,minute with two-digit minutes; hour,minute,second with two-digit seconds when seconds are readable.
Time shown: 10,12,29
